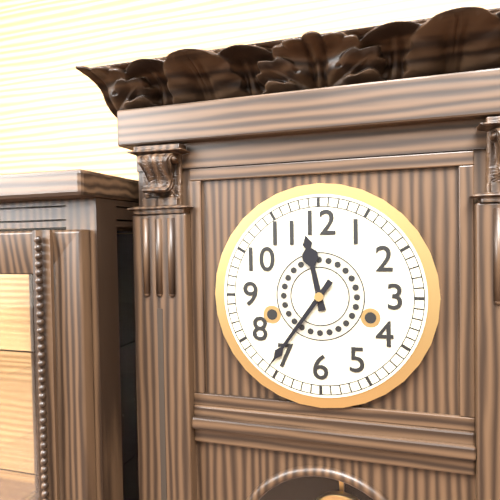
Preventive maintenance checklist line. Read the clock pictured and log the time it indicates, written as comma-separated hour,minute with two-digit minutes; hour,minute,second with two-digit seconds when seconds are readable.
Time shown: 11,36
